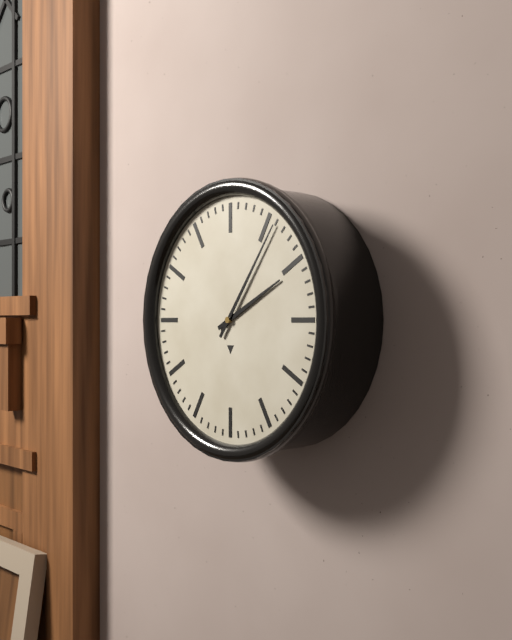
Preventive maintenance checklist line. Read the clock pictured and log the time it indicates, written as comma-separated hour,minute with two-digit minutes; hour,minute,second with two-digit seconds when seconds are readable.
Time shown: 2,06
